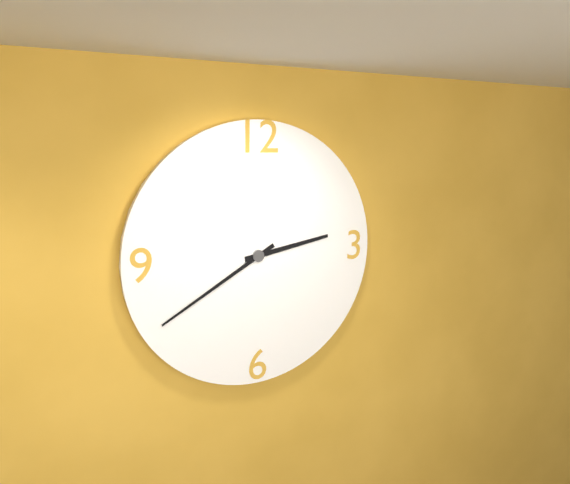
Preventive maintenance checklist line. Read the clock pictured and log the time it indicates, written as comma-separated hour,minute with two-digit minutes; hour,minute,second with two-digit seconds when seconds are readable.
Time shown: 2,40
